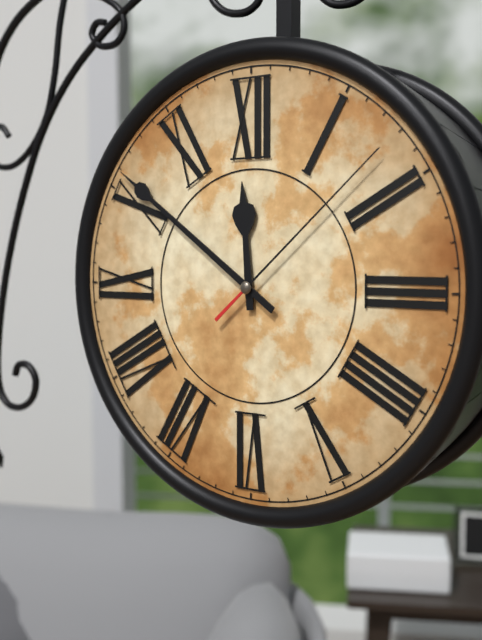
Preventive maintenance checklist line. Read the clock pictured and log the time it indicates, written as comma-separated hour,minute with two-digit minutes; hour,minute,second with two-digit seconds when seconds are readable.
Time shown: 11,51,08
